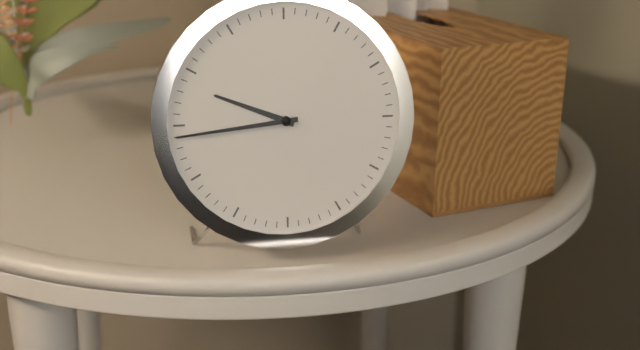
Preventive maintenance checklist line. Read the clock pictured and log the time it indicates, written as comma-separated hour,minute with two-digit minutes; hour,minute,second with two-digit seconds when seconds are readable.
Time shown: 9,44
